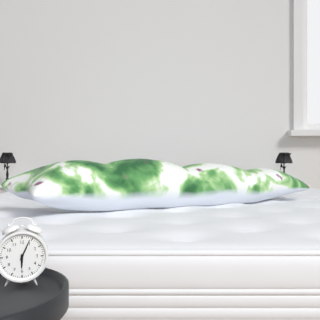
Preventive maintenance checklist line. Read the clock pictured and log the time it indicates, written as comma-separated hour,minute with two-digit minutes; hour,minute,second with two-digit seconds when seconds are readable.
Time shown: 6,04
